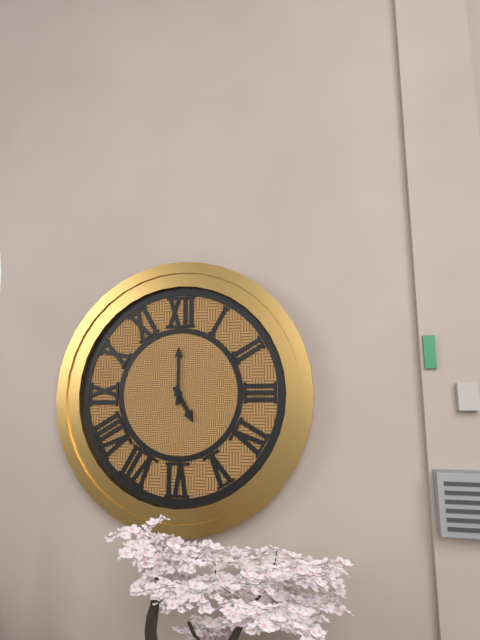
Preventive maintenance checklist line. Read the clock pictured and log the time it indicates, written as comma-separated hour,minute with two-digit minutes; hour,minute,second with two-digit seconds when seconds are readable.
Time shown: 5,00
